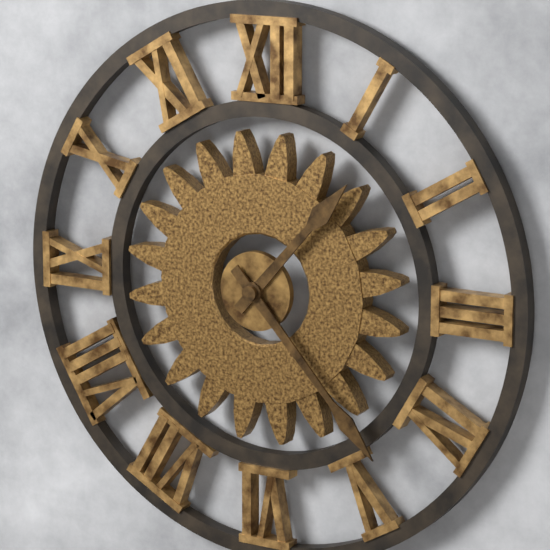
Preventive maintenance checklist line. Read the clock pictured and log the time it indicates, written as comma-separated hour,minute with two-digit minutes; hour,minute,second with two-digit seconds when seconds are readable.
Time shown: 1,23
